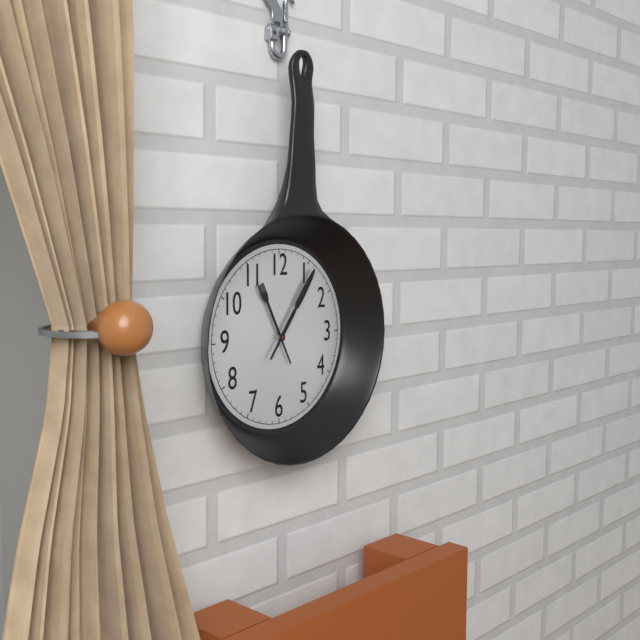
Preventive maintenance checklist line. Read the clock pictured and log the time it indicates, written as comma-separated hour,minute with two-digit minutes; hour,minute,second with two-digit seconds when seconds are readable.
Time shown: 11,06
